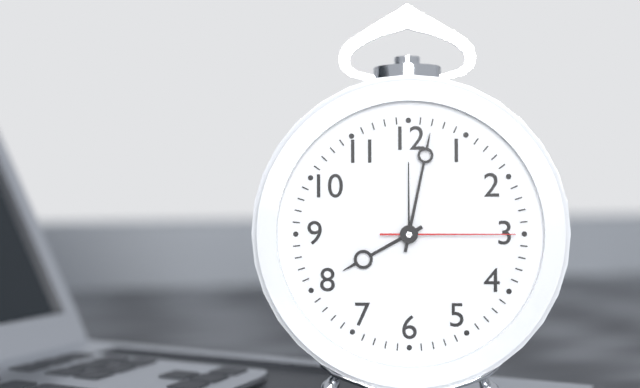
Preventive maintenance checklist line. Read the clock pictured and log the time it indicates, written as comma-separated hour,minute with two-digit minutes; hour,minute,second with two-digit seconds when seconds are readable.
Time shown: 8,02,15
